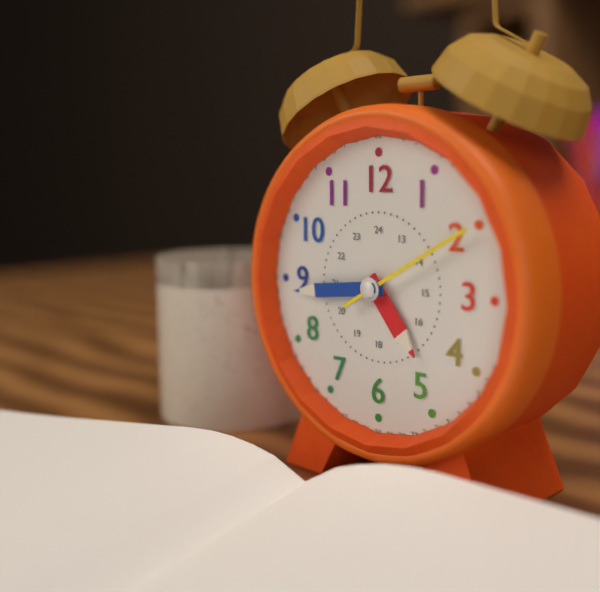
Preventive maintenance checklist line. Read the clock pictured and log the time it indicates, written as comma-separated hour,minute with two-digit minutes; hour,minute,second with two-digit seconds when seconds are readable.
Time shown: 4,44,10
